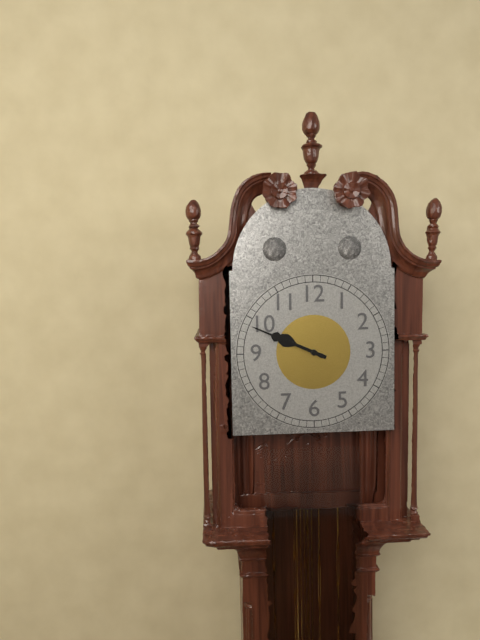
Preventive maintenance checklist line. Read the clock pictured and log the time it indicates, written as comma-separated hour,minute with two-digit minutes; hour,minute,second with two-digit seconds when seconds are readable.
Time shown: 9,49
